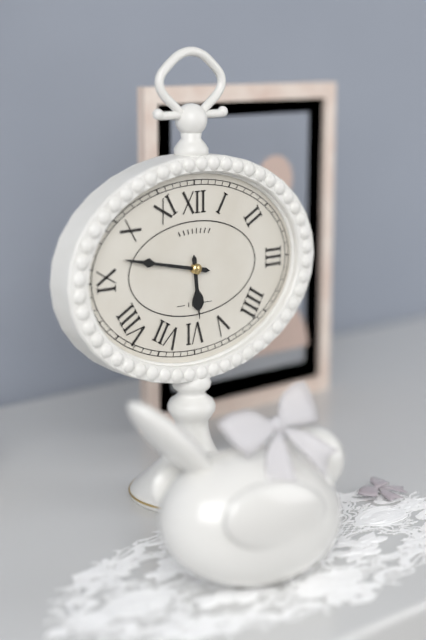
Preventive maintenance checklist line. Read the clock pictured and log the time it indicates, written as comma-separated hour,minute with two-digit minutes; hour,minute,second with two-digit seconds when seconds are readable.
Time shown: 5,47
